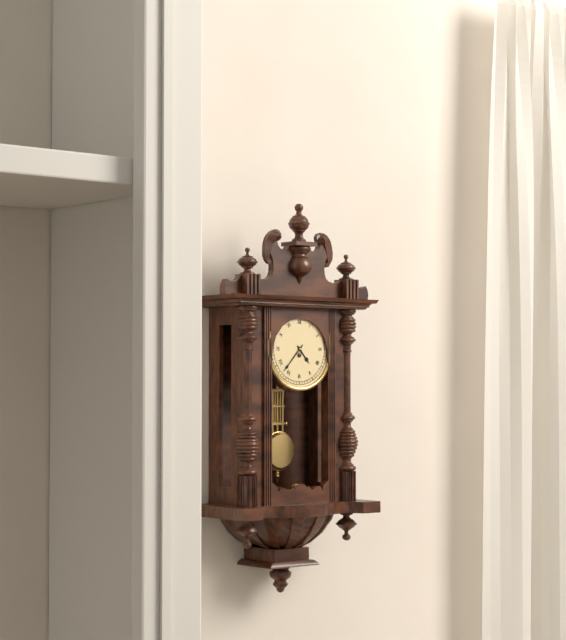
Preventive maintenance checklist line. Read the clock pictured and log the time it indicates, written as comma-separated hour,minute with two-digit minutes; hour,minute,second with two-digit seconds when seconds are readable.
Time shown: 4,37
